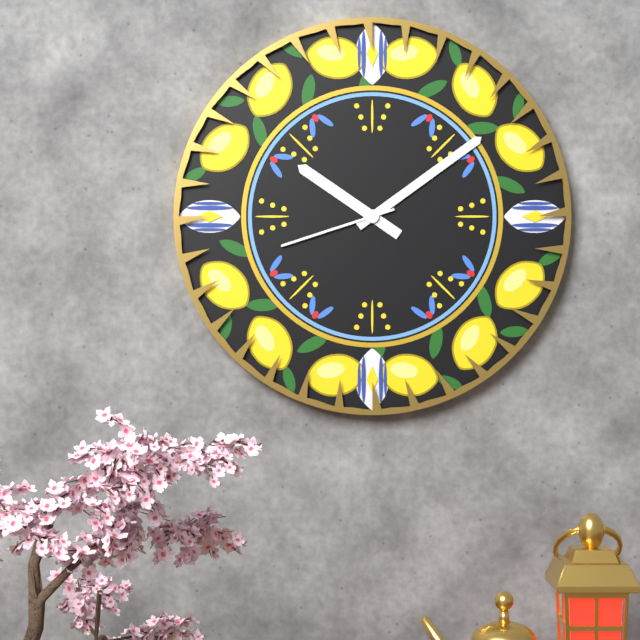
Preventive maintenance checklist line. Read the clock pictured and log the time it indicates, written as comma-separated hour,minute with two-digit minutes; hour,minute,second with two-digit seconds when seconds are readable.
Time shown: 10,09,42
